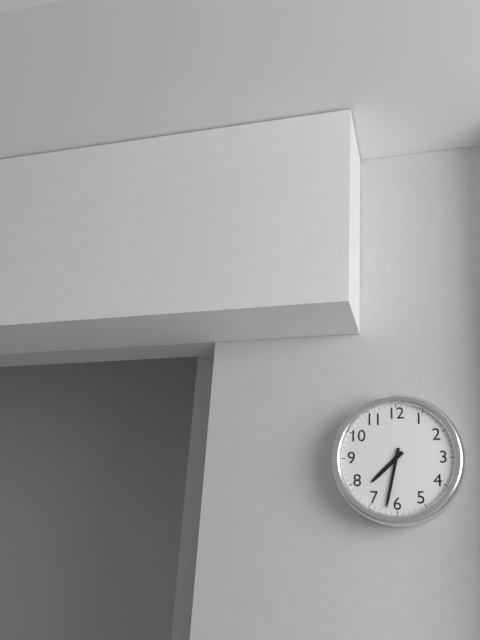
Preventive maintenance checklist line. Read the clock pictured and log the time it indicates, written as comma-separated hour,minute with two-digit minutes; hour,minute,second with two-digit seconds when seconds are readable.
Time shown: 7,32
